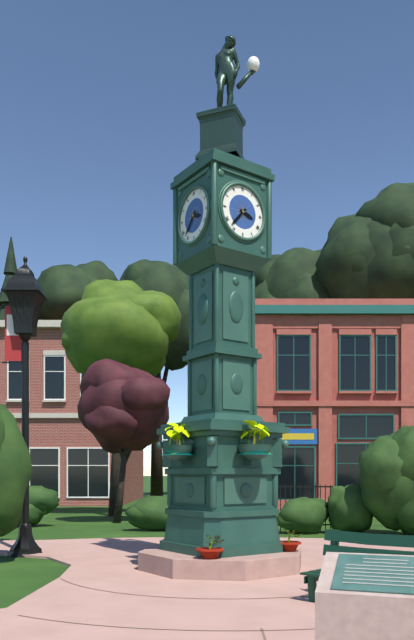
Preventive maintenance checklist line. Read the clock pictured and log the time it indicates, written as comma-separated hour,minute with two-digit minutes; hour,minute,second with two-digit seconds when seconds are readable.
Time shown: 3,37
